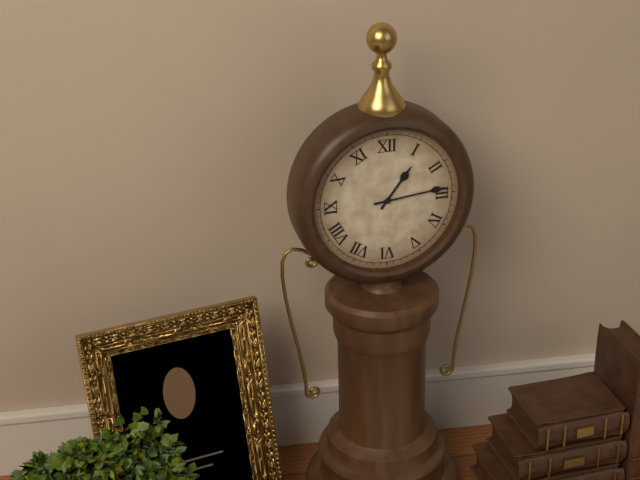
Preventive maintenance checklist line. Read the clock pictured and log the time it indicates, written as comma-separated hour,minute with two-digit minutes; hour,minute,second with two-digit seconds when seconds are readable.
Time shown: 1,14
